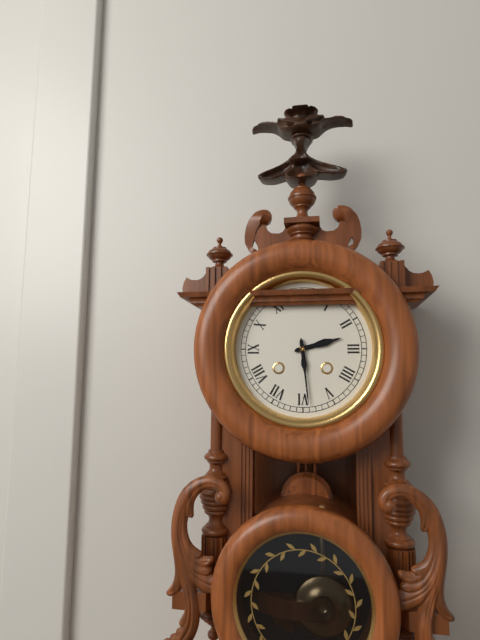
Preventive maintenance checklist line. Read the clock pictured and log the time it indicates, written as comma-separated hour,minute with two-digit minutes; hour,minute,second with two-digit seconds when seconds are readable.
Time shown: 2,29
